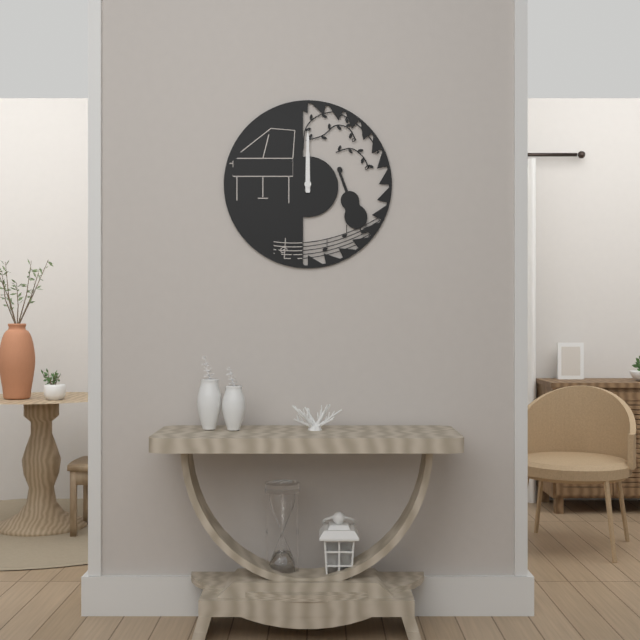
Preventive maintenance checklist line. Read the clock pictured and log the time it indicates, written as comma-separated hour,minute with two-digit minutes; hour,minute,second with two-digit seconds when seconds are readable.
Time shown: 12,00
